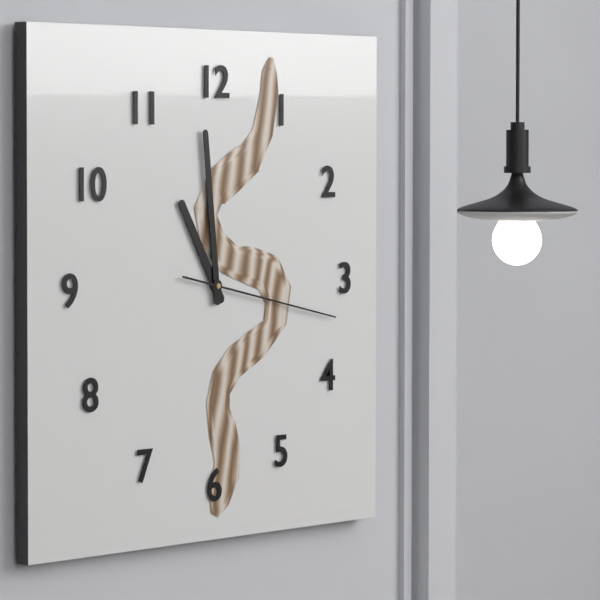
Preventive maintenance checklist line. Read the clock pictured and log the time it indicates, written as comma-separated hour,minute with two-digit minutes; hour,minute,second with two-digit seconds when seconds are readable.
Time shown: 10,59,17
